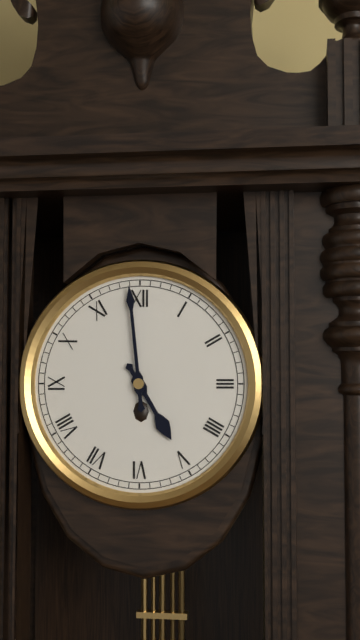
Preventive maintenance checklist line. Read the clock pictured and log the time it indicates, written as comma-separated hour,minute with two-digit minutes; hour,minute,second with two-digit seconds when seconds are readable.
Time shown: 4,59
